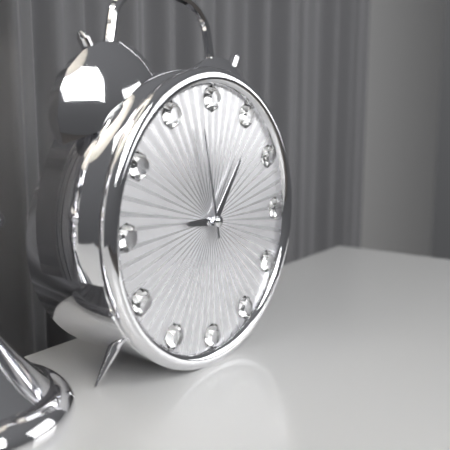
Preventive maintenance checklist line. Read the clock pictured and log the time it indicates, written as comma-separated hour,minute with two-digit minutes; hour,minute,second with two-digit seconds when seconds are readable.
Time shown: 9,06,58
